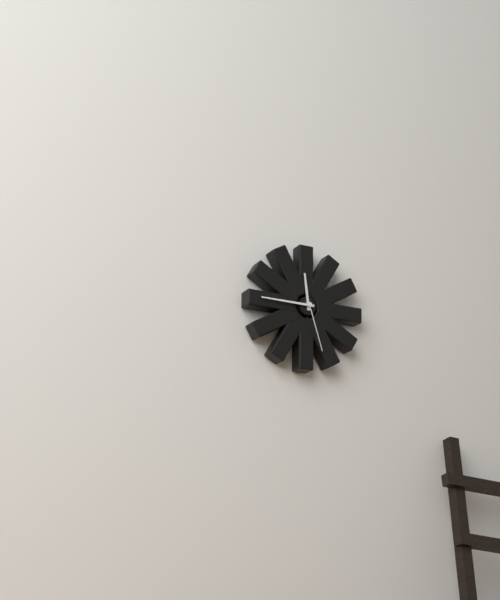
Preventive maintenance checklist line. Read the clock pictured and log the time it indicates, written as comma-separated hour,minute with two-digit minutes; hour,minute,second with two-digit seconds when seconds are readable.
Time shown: 11,45,27
